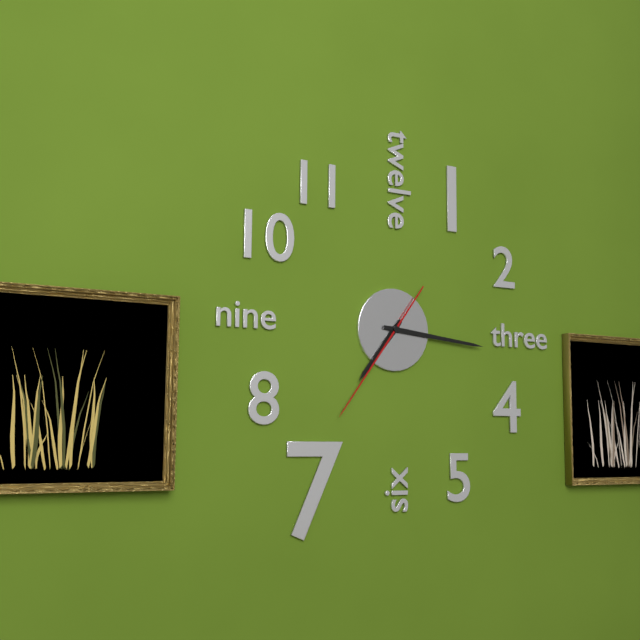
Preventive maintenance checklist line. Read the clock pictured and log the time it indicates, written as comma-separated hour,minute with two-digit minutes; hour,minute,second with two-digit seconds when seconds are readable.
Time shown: 7,16,36
